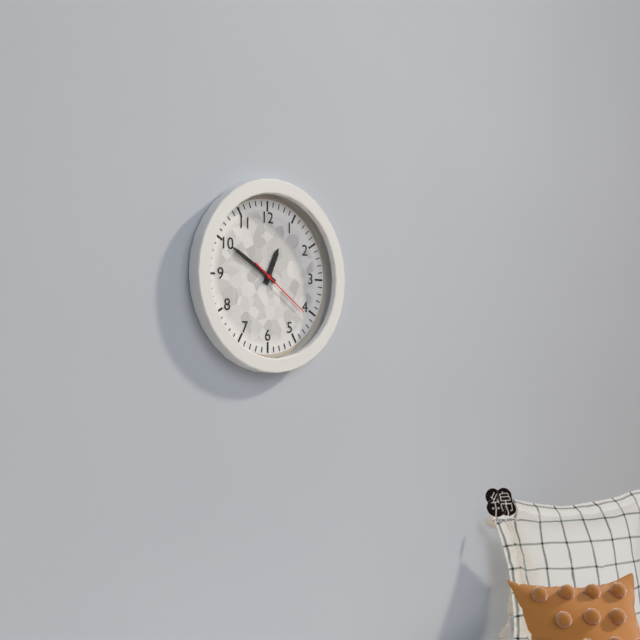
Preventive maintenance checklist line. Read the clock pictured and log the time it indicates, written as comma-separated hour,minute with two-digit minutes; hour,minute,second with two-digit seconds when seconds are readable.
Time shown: 12,50,21
